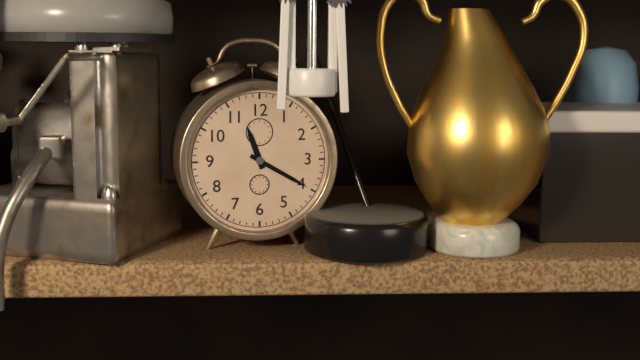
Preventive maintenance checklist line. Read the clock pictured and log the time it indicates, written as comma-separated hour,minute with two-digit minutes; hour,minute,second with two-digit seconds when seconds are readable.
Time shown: 11,20
